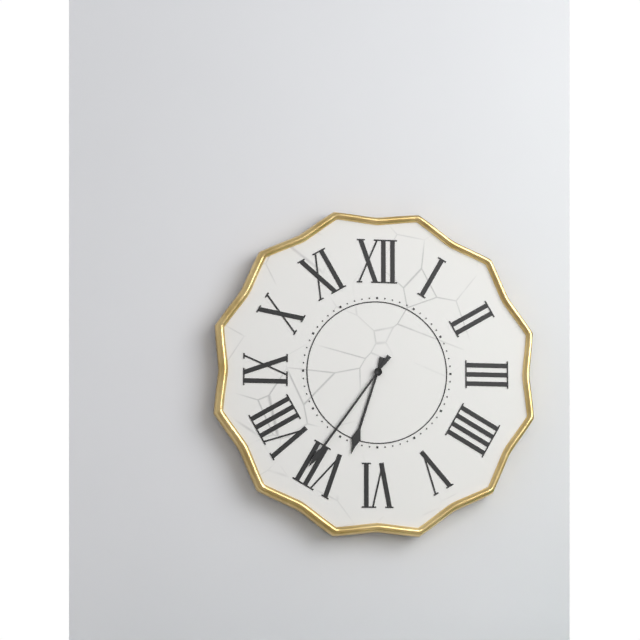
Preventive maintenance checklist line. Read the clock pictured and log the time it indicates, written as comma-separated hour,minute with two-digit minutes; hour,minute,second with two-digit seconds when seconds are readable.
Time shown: 6,36
